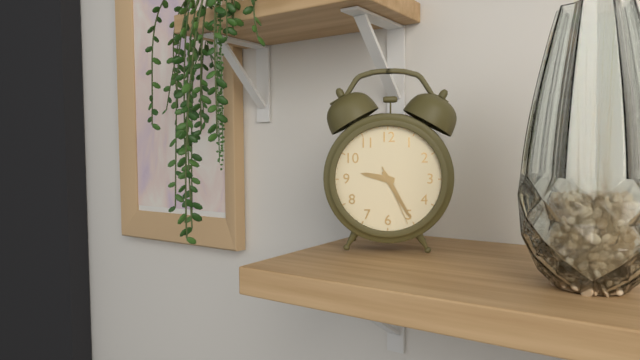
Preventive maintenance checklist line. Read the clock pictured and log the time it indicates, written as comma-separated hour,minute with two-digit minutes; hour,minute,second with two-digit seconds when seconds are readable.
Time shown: 9,25,26
